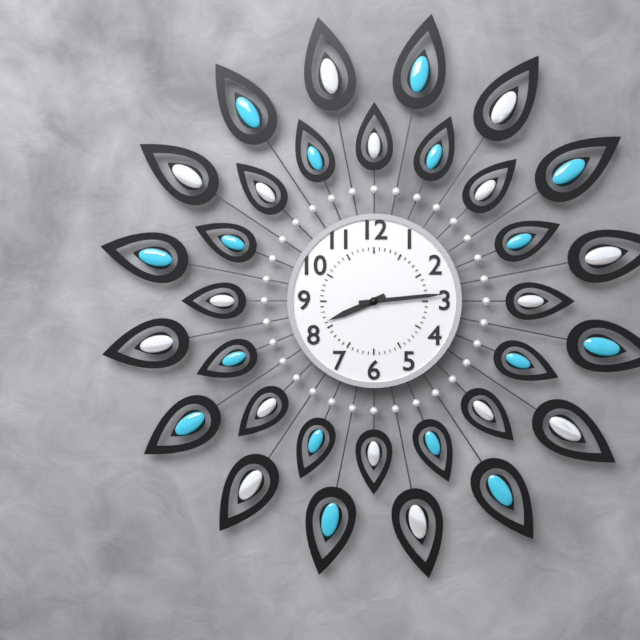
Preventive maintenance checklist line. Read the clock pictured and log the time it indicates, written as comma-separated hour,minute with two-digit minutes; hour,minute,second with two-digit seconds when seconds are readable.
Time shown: 8,14
